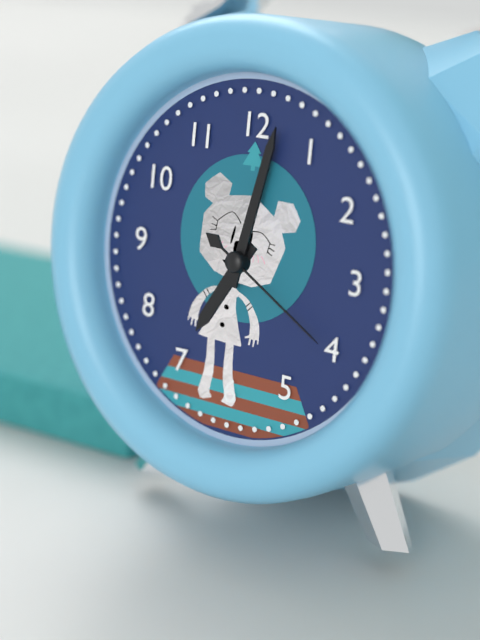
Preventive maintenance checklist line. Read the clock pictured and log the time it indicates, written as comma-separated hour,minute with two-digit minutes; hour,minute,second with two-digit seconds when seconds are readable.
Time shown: 7,02,20
